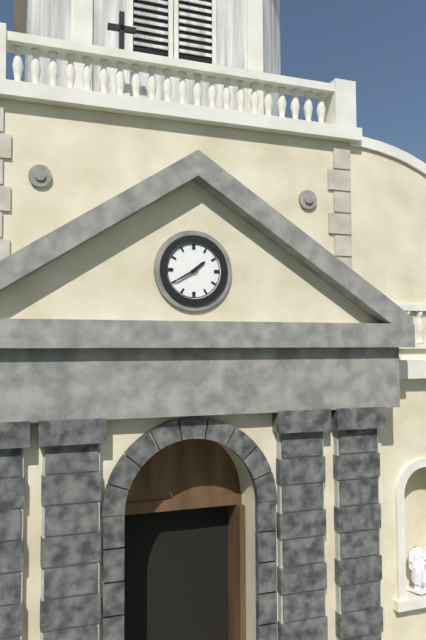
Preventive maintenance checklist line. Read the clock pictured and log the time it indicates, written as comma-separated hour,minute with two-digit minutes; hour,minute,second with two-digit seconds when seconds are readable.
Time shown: 1,40
